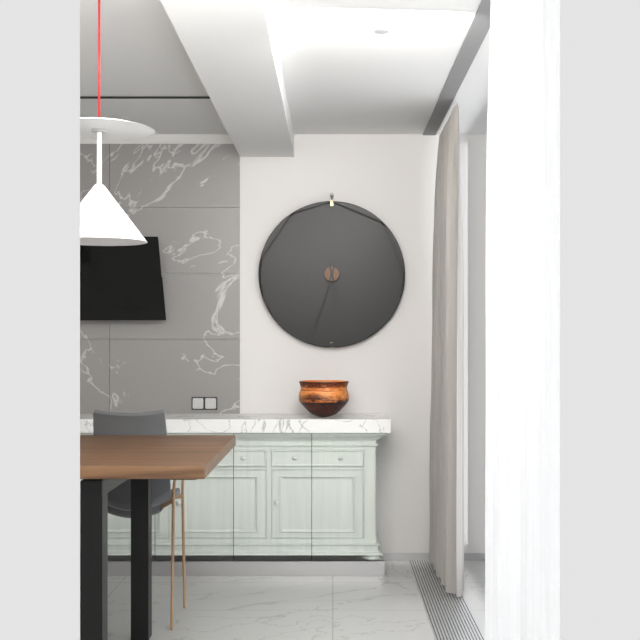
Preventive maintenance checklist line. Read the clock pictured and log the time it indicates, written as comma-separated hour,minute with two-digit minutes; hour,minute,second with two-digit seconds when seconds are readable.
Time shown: 5,33
